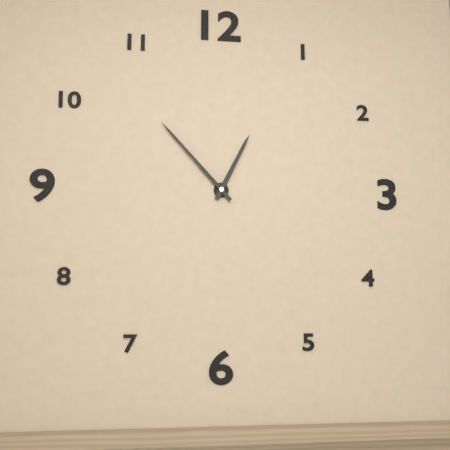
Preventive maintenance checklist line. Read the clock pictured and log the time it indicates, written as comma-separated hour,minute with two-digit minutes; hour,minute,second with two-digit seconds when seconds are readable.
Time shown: 12,53
